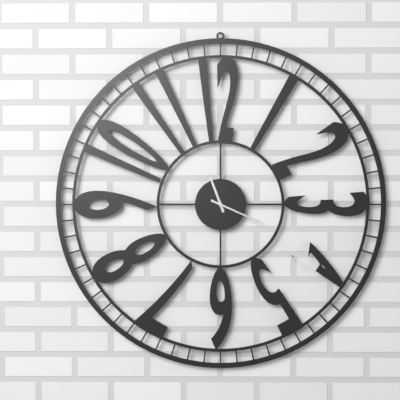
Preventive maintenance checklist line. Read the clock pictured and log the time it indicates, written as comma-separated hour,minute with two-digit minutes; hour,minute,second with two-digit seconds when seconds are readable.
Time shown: 11,19
